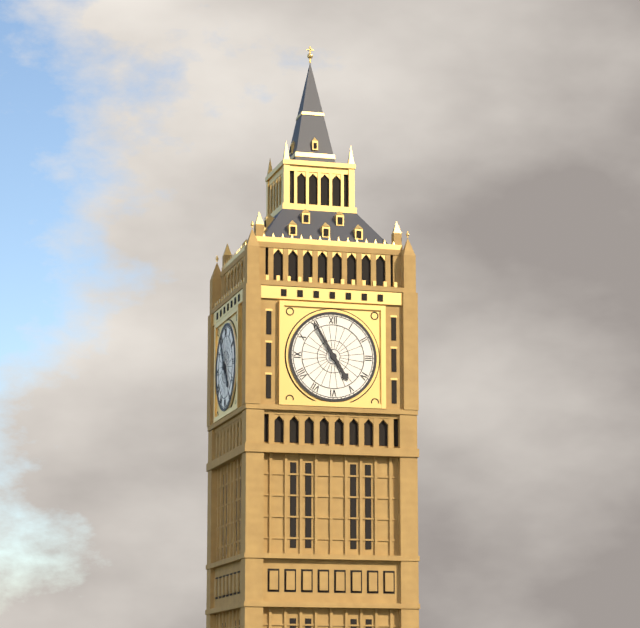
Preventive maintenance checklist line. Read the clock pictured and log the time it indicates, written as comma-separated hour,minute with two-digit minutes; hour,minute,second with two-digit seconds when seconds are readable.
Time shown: 4,55
